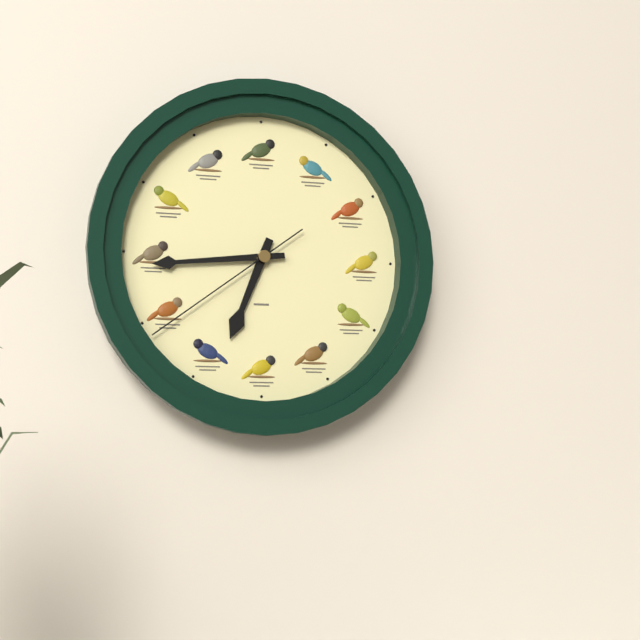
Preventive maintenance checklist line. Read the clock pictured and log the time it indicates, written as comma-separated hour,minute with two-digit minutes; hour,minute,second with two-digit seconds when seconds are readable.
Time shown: 6,44,39
